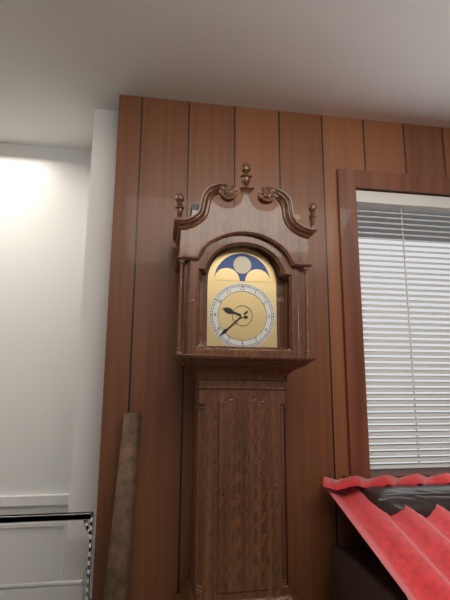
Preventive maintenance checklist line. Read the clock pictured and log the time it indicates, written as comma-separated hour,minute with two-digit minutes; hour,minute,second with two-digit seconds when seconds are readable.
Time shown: 9,38
